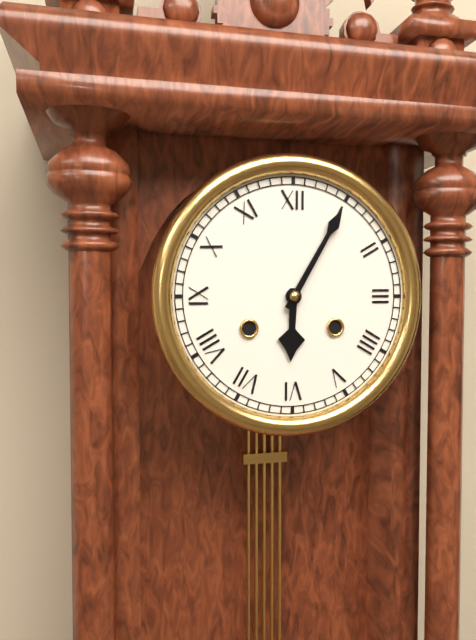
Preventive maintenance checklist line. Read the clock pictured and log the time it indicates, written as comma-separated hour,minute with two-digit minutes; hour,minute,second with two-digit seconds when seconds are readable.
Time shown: 6,05
